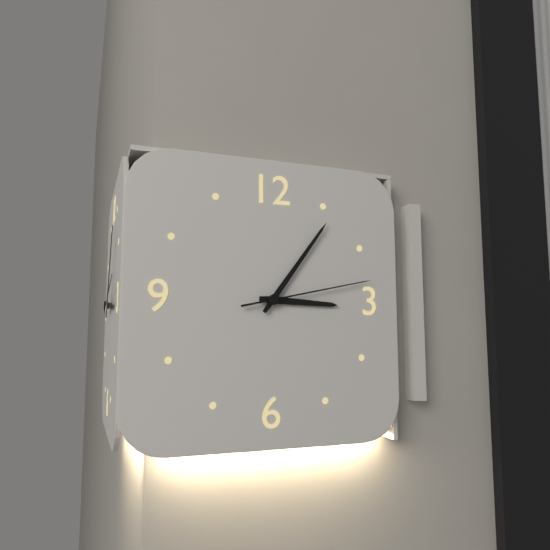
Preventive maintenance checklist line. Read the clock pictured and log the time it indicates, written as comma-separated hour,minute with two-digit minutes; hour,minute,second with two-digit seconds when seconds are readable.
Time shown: 3,06,13
